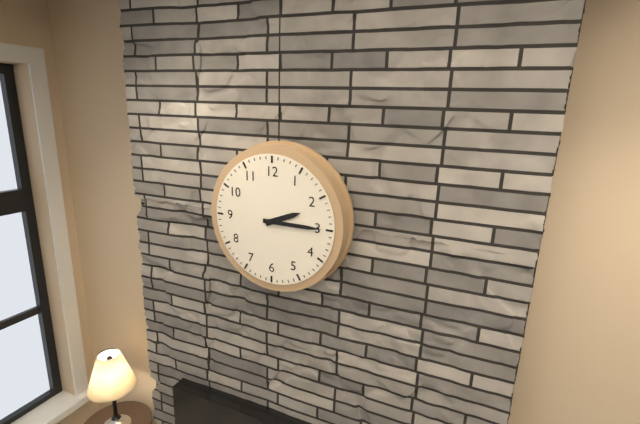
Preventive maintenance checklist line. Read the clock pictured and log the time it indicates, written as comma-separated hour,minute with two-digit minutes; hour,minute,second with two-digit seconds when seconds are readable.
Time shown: 2,15
